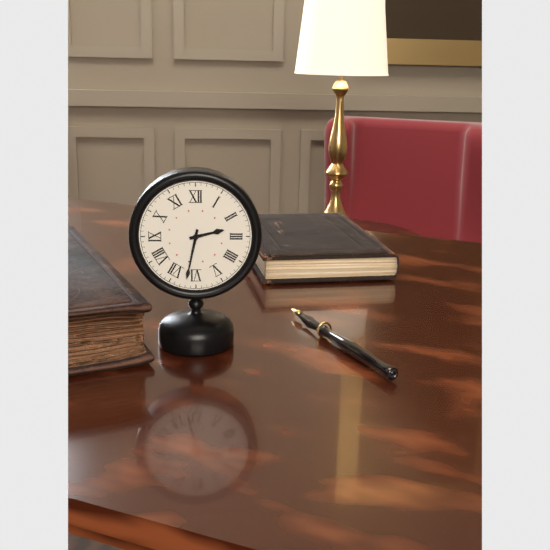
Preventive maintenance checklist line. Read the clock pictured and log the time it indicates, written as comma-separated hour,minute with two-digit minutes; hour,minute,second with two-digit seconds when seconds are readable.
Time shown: 2,32
